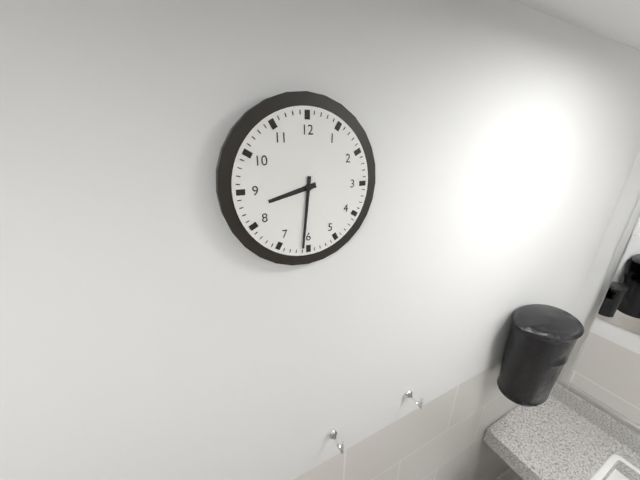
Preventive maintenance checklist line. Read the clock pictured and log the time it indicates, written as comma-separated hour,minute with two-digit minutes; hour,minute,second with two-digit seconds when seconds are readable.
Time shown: 8,31
